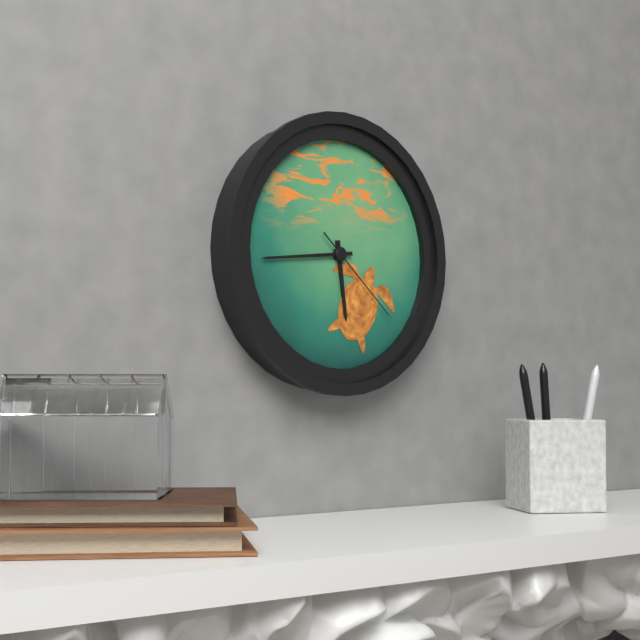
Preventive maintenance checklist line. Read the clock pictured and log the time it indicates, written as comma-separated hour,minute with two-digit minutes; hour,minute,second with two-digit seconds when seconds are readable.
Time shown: 5,44,22
